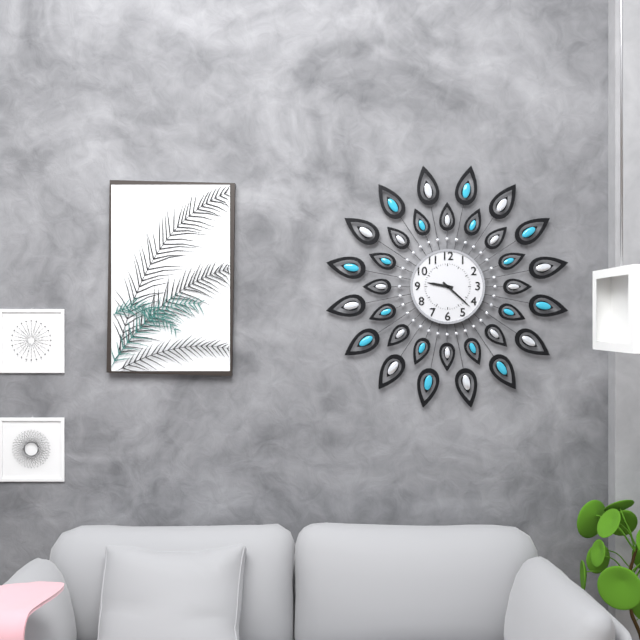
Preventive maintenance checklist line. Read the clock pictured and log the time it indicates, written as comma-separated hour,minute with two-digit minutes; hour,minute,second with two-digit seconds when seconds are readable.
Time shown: 9,22
